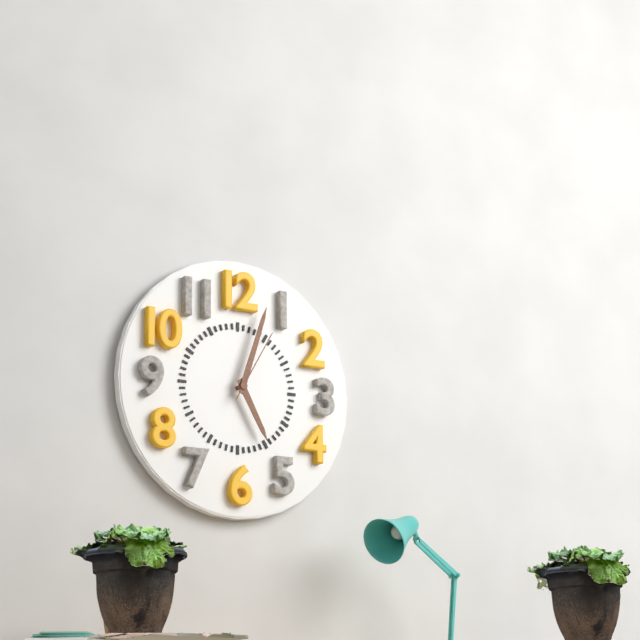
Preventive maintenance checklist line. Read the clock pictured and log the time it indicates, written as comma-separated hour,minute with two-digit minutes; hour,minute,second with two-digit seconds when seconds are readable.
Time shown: 5,03,05
